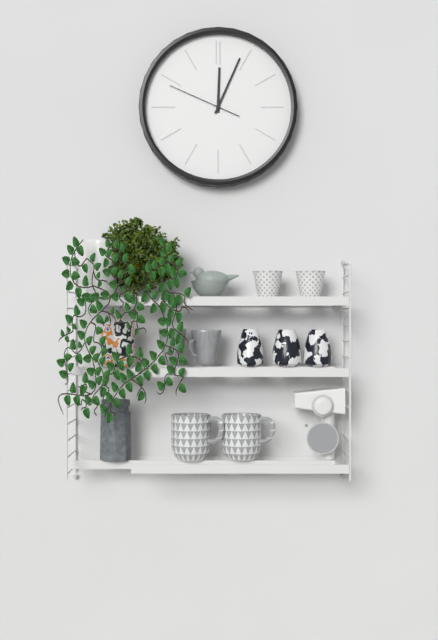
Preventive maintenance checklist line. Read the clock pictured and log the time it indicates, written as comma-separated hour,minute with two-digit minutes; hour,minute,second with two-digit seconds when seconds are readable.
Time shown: 12,04,49
